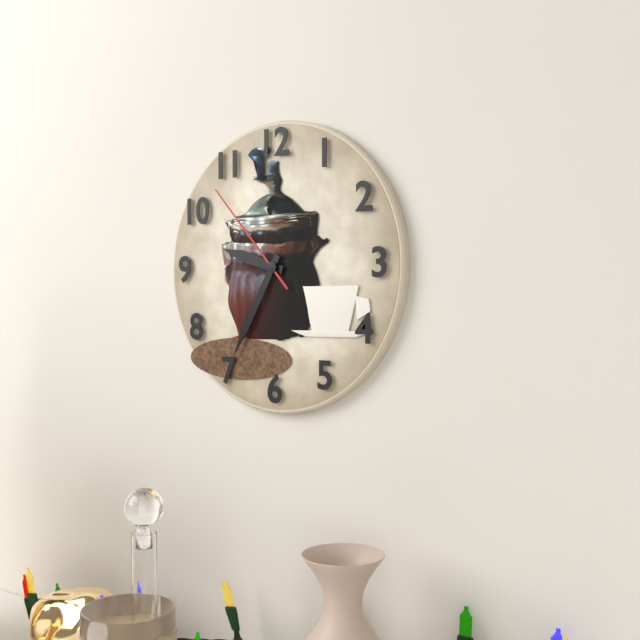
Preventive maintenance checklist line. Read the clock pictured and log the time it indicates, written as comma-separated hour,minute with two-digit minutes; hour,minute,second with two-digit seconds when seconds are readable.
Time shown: 9,35,53
